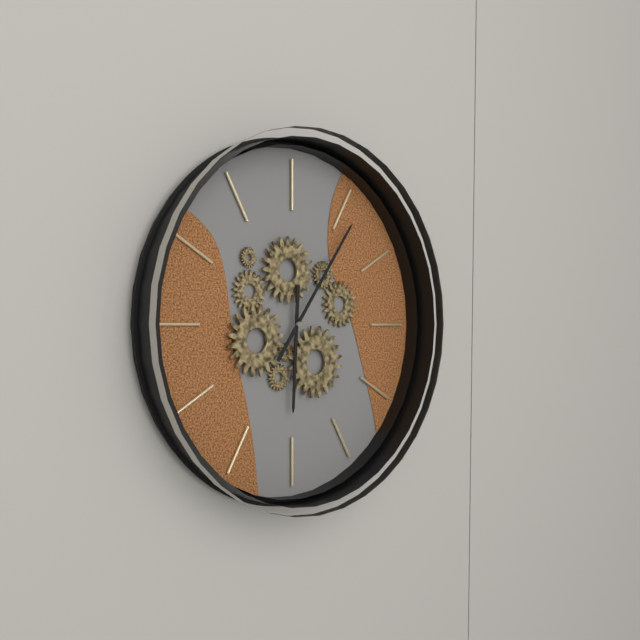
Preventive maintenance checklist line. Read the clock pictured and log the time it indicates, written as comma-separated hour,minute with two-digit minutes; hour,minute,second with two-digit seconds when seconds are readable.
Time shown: 6,06
